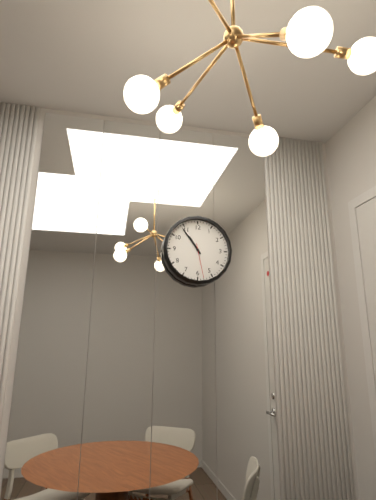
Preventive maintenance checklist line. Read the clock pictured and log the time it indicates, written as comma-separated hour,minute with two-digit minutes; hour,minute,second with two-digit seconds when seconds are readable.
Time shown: 10,54
